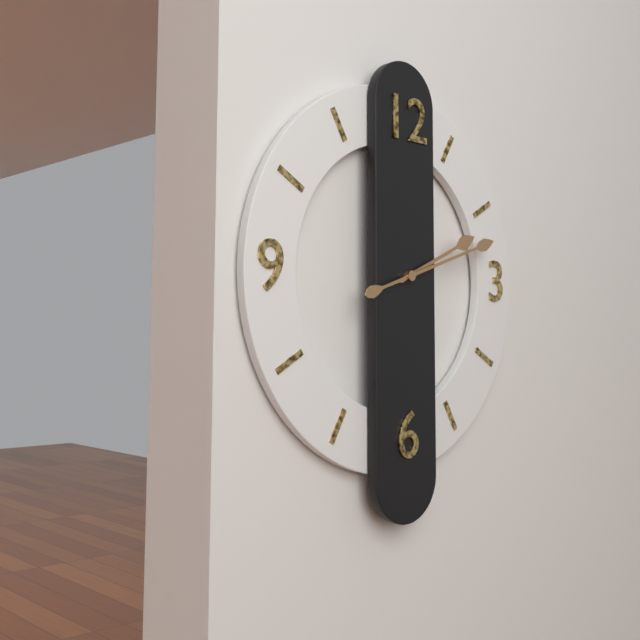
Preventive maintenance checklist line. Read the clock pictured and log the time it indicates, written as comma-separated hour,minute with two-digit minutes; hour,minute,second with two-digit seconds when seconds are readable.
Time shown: 2,12
